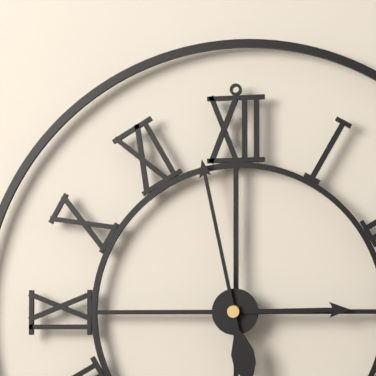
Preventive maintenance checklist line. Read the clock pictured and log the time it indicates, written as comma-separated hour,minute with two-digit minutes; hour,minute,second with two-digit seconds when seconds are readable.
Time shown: 2,58
